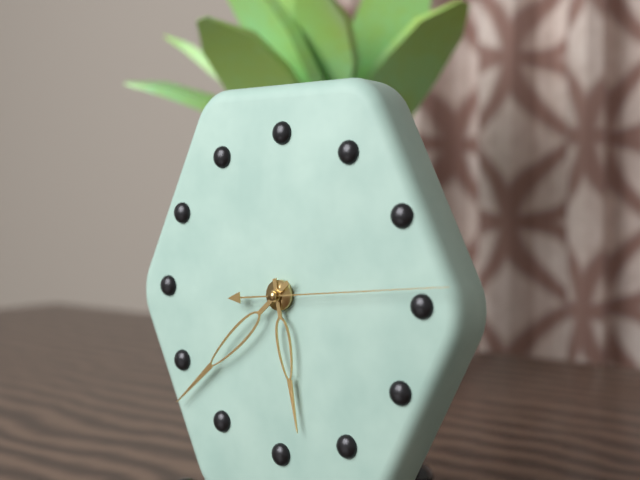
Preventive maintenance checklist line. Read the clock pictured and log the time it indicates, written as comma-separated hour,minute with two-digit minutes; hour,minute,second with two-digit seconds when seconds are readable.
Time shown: 5,38,14
